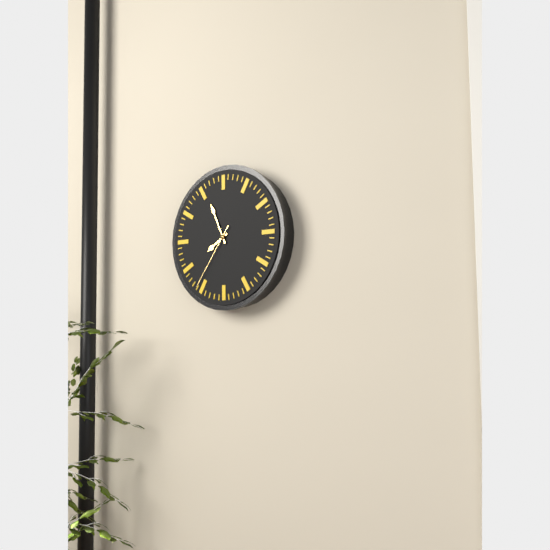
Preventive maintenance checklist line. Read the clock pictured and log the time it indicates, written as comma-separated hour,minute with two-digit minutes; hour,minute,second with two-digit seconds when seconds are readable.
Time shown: 7,56,36
